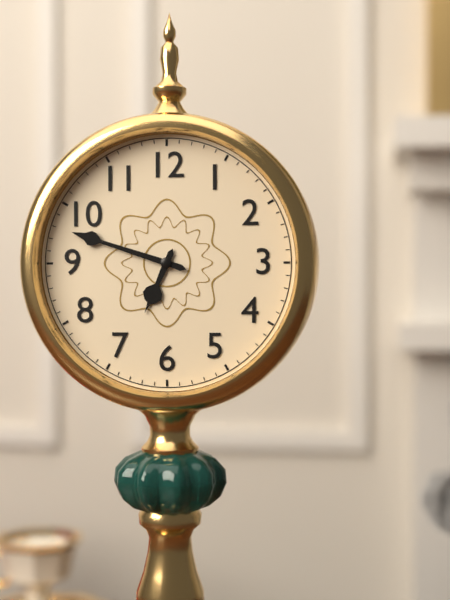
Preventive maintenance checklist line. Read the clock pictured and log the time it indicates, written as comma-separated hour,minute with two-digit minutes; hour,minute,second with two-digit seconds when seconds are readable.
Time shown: 6,48
